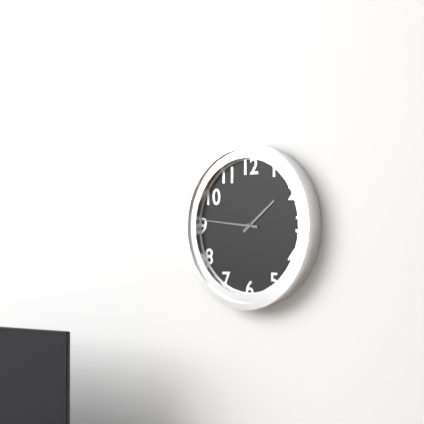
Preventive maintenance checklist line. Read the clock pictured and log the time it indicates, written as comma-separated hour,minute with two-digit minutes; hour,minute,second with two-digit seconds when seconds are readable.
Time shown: 1,46
